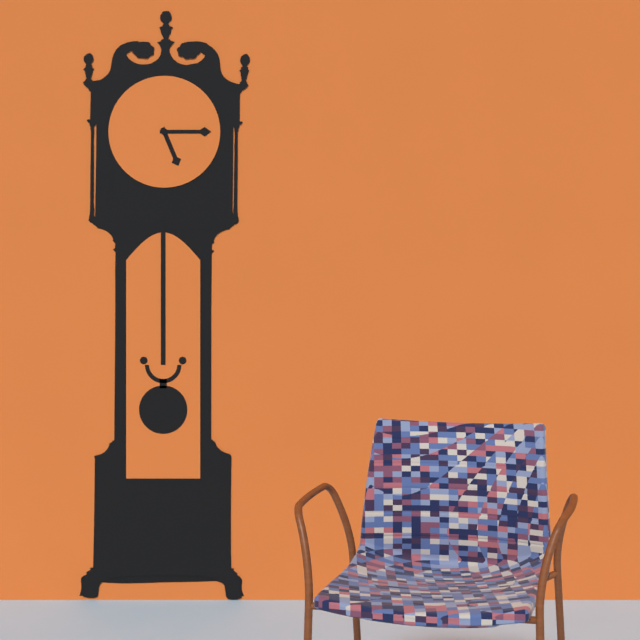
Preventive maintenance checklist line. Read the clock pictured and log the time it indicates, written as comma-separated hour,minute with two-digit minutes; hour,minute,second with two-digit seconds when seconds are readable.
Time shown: 5,15
